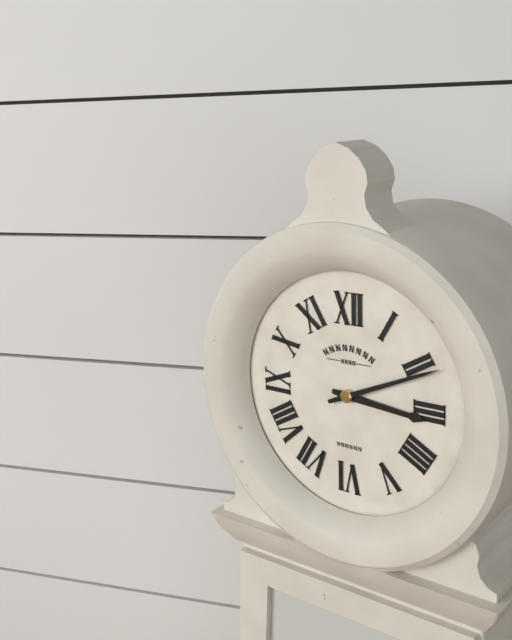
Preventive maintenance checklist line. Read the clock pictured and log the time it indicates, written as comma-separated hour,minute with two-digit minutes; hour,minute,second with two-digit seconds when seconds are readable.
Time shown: 3,11
